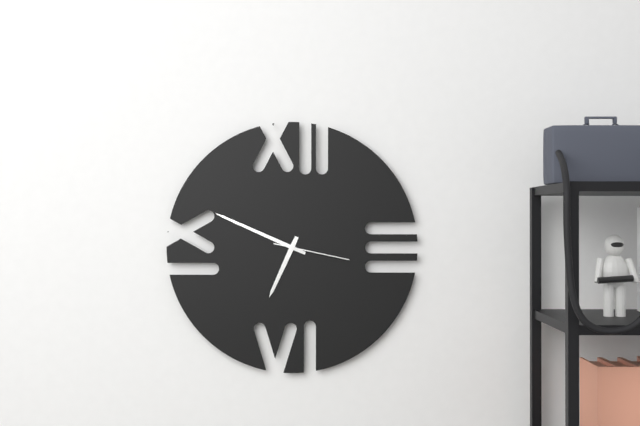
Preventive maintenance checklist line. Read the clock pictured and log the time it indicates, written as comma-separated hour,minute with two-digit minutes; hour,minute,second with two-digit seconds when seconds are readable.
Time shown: 6,49,17
